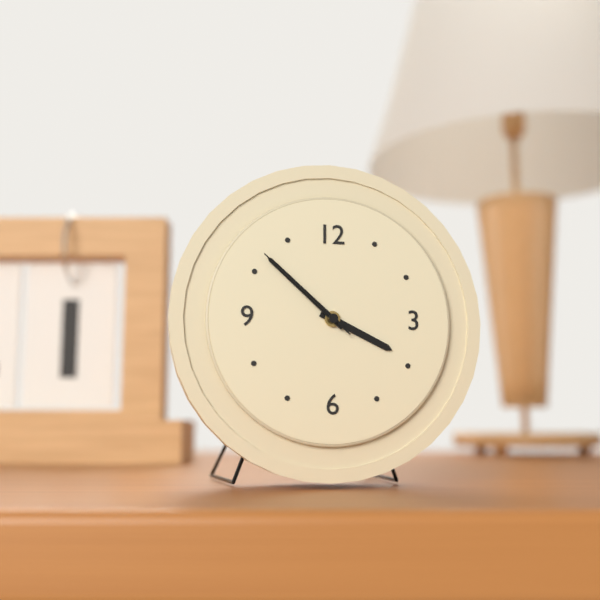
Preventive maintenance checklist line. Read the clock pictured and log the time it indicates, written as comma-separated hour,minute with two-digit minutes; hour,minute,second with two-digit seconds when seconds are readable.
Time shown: 3,52,52
